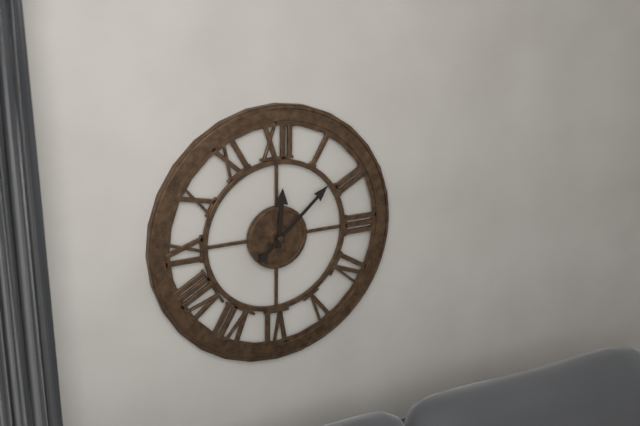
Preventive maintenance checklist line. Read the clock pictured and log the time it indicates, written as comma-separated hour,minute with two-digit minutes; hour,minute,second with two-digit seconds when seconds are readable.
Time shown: 12,08
